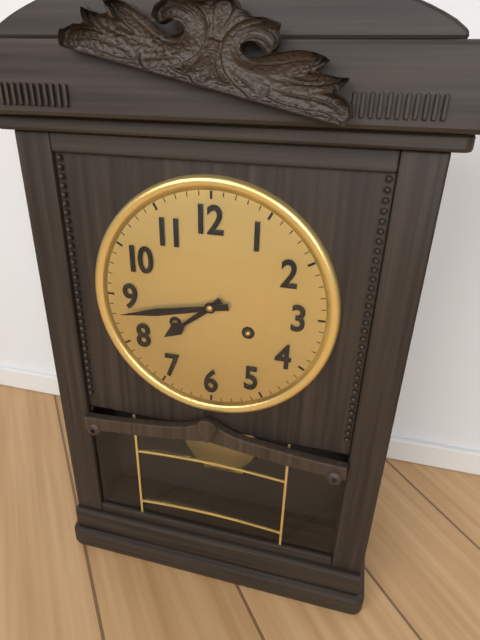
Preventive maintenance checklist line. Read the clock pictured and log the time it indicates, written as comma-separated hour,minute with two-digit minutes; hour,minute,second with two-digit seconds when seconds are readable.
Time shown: 7,43
